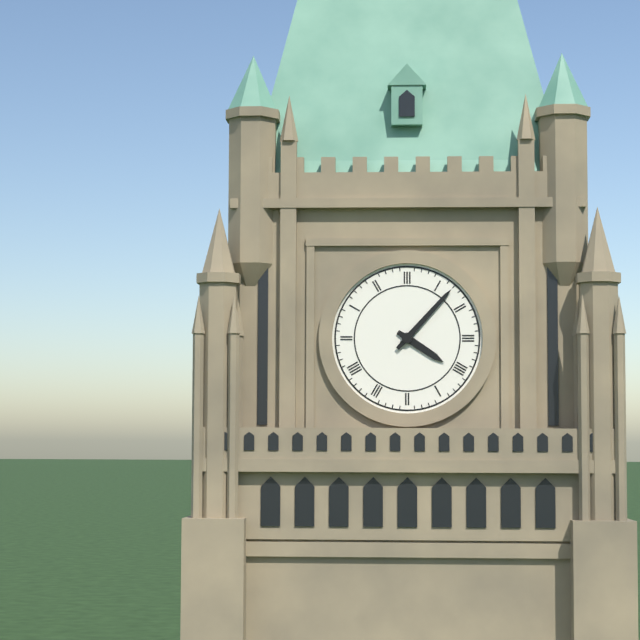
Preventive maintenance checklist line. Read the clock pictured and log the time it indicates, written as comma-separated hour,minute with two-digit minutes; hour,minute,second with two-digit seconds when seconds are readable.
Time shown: 4,07
